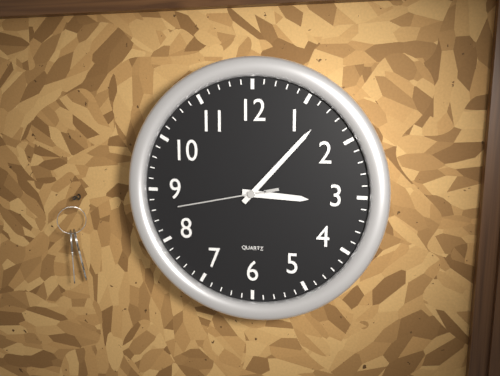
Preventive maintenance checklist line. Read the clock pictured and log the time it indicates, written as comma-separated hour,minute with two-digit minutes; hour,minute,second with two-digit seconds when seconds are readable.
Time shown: 3,07,43
